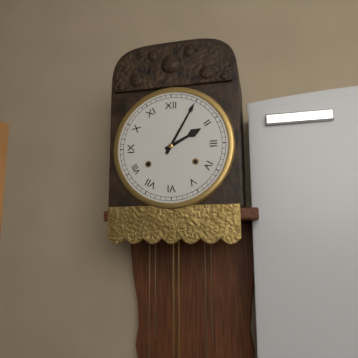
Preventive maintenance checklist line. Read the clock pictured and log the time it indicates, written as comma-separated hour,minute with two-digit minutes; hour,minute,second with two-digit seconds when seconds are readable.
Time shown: 2,05
